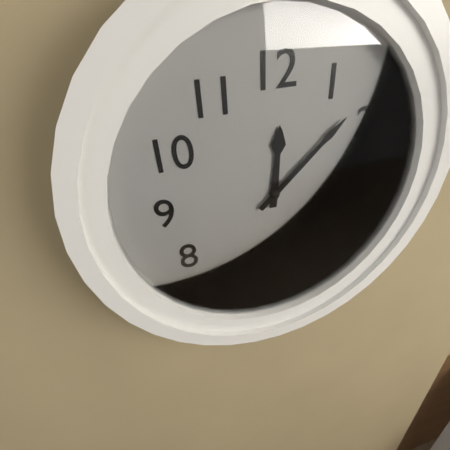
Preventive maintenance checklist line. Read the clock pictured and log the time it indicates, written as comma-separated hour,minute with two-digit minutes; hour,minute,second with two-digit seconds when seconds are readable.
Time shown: 12,08
